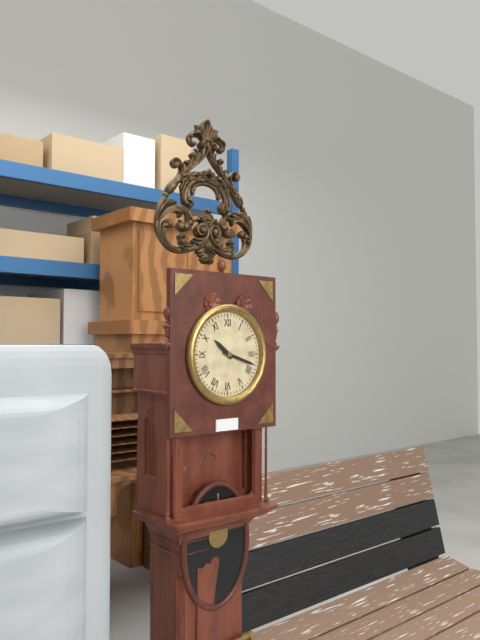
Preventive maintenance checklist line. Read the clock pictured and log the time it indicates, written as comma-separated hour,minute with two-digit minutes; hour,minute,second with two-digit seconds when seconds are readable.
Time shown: 10,18
